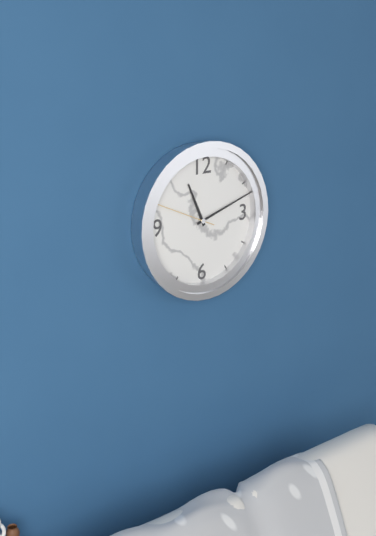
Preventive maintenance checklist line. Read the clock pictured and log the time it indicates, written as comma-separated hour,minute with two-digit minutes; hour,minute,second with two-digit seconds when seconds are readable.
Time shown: 11,12,49
